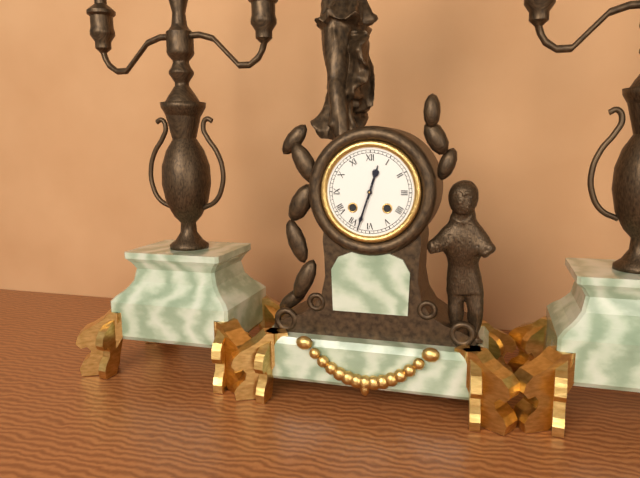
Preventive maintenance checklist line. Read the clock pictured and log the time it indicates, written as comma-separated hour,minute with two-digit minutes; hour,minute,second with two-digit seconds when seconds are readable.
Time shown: 12,33
